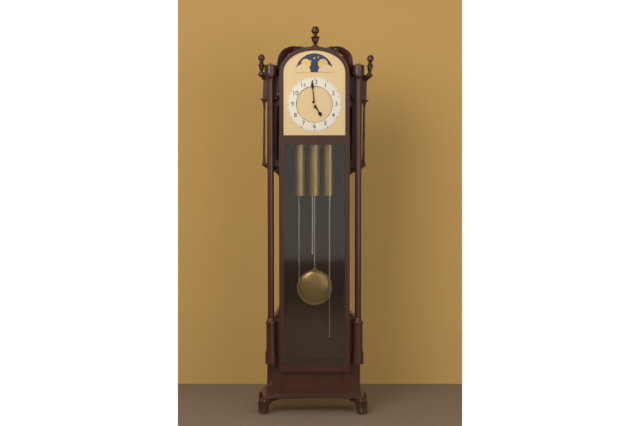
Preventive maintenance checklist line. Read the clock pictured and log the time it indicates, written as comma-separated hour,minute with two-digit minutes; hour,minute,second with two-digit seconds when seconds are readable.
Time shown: 4,59
